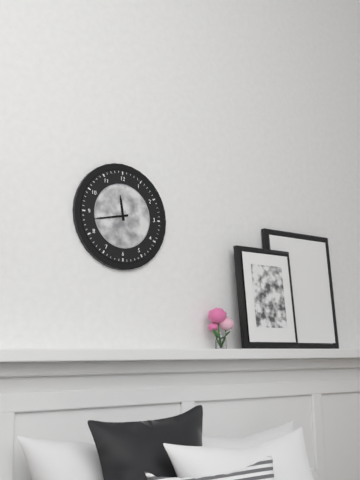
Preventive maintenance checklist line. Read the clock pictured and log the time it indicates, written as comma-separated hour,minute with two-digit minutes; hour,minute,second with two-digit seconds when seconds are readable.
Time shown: 11,43
